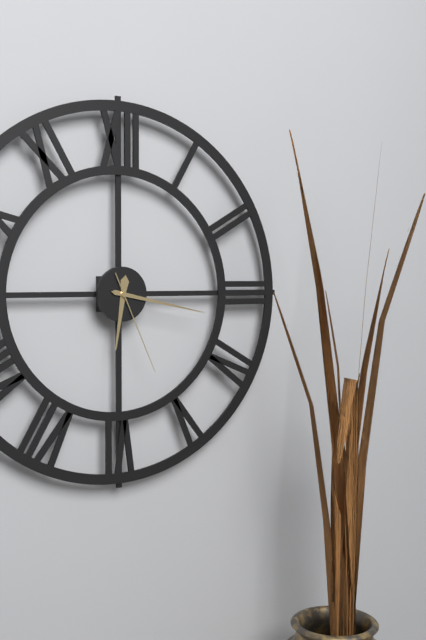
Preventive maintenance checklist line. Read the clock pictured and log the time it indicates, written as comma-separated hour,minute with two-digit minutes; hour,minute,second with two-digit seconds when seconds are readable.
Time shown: 6,17,26
